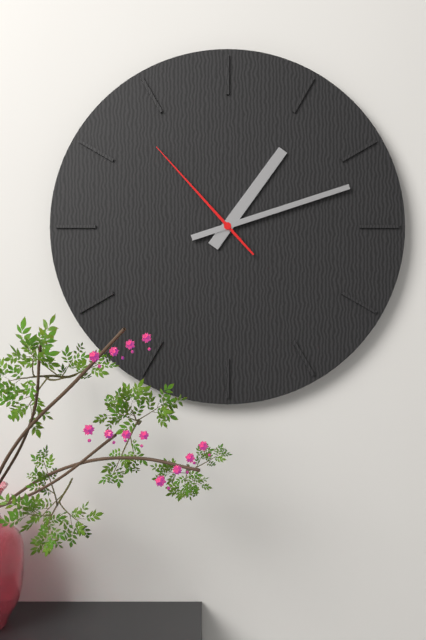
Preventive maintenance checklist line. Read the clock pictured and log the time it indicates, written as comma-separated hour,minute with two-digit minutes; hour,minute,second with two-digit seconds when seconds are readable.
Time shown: 1,12,53
